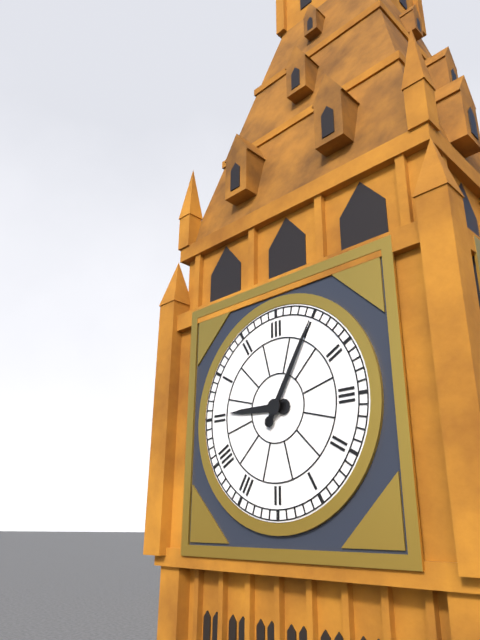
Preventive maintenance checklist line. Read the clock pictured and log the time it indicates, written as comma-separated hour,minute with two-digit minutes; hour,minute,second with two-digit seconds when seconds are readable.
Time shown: 9,05
